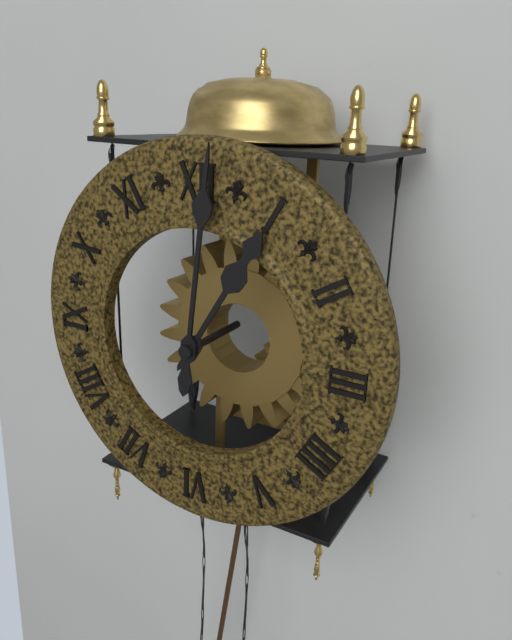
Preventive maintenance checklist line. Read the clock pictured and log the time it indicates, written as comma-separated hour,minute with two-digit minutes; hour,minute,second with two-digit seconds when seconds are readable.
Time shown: 1,01
